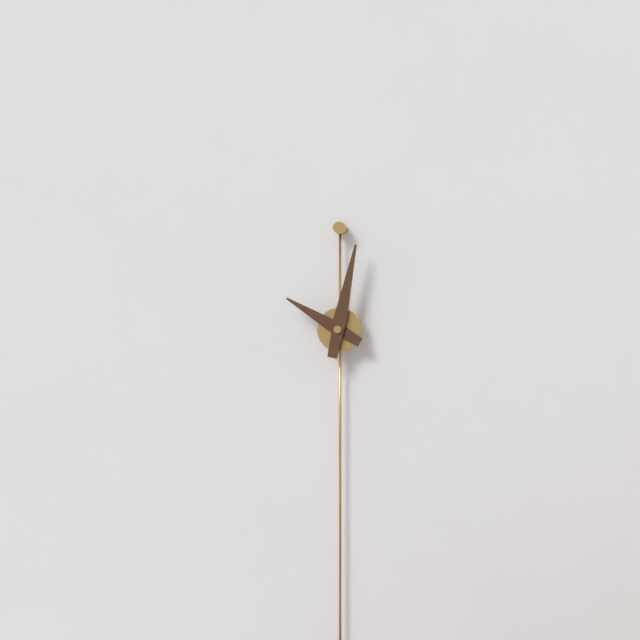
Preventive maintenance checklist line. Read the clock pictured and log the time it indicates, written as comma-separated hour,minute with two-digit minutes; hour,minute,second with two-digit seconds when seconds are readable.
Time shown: 10,02
